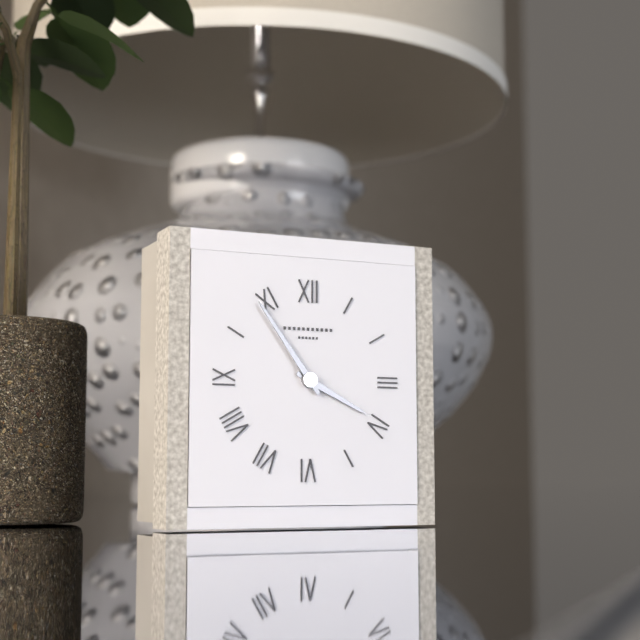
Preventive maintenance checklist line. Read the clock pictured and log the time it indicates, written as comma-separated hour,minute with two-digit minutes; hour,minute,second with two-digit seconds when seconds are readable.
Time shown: 3,54
